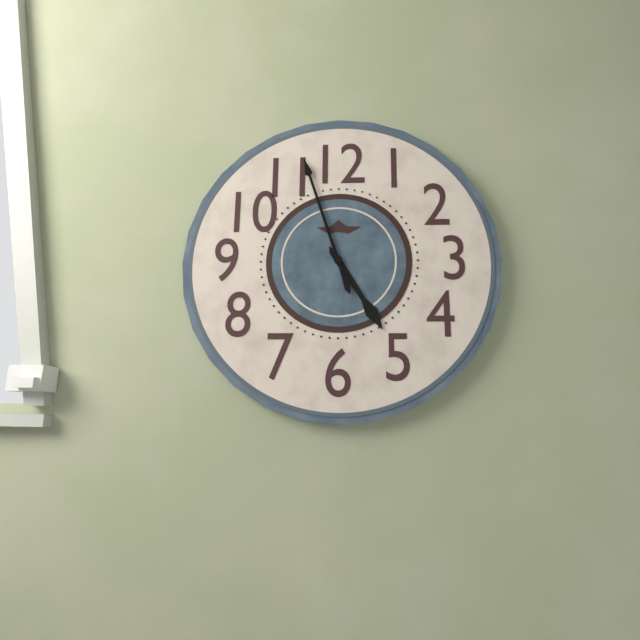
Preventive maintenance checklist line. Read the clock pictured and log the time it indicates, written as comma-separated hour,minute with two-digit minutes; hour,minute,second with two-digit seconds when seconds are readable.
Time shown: 4,57
